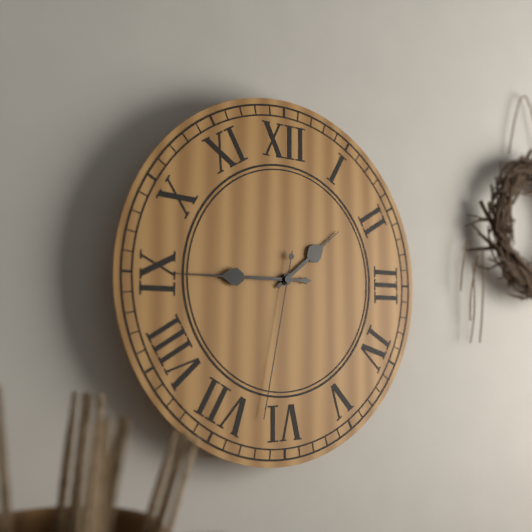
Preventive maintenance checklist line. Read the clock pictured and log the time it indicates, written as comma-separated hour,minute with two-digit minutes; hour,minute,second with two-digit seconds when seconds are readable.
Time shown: 1,45,32
